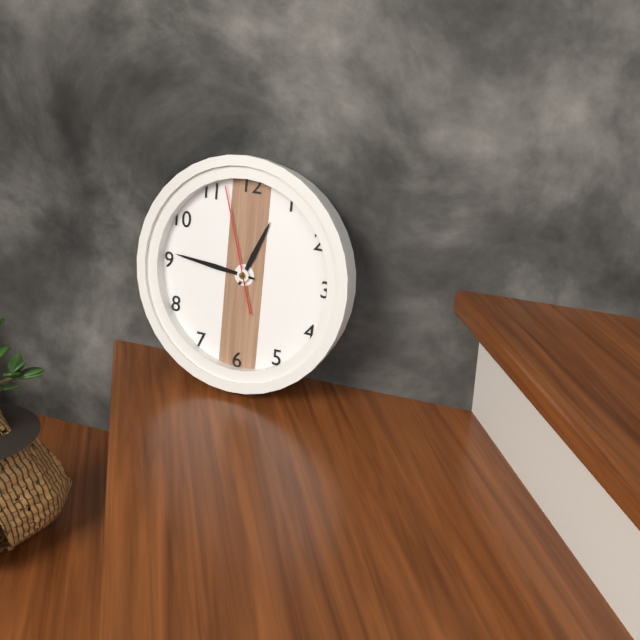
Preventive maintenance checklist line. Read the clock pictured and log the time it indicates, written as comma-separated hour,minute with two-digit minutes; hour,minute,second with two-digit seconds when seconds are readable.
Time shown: 12,46,57
